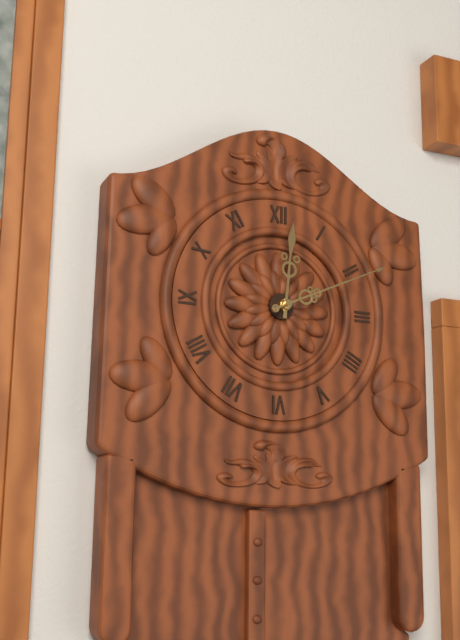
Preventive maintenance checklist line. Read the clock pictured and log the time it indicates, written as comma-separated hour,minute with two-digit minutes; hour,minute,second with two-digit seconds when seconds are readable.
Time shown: 12,11
